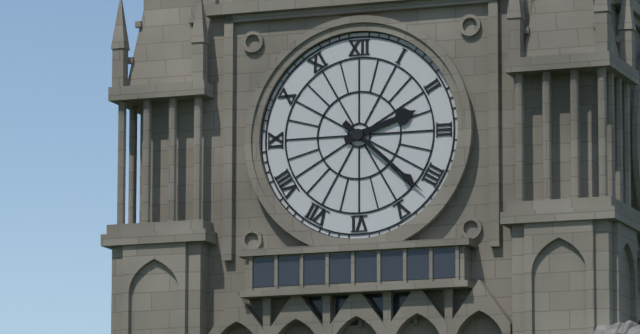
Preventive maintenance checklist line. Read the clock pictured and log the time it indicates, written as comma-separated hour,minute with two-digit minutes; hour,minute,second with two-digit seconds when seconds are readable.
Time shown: 2,22
